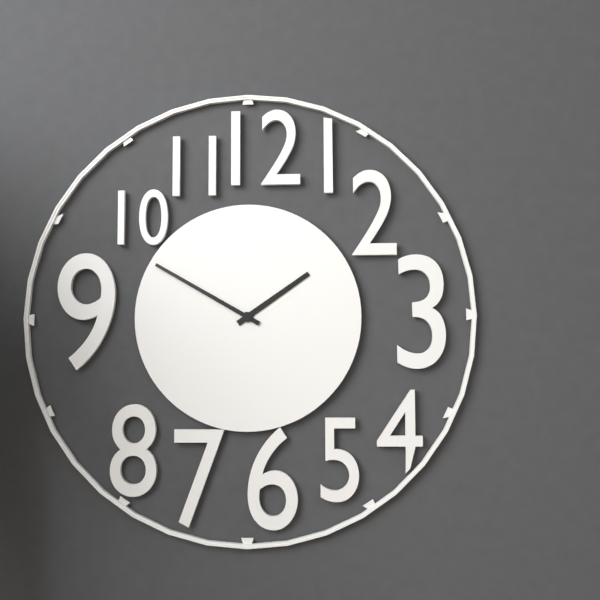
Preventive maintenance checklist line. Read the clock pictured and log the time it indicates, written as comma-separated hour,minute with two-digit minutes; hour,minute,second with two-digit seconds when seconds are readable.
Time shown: 1,50
